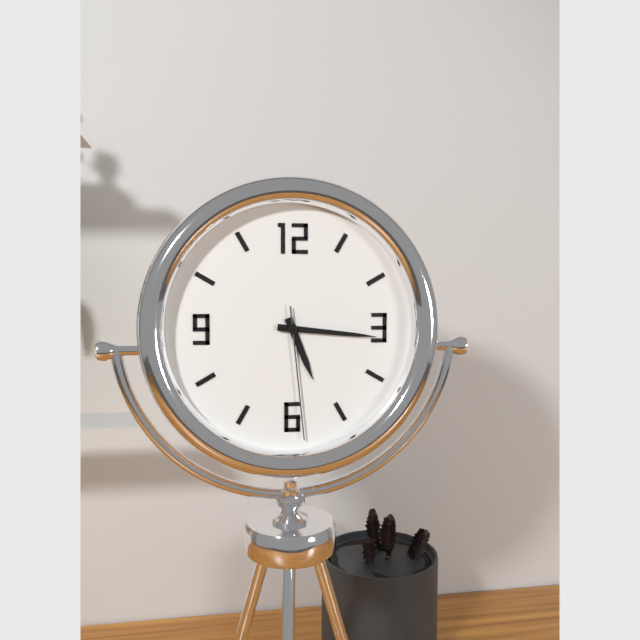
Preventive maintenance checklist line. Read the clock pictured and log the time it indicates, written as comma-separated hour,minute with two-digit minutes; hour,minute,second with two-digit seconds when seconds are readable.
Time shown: 5,16,29
